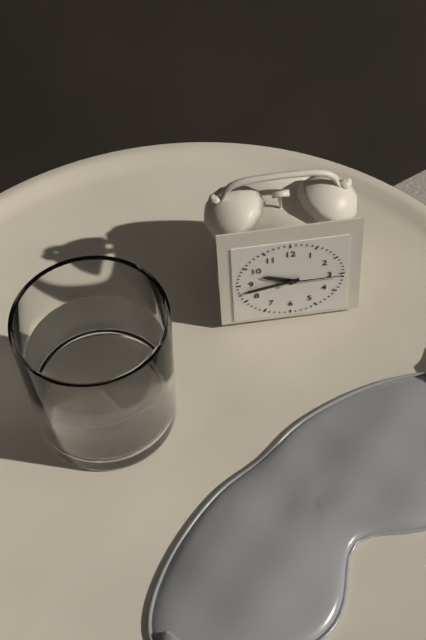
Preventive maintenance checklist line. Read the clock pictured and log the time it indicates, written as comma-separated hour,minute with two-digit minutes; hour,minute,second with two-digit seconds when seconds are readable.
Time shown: 9,43,15
